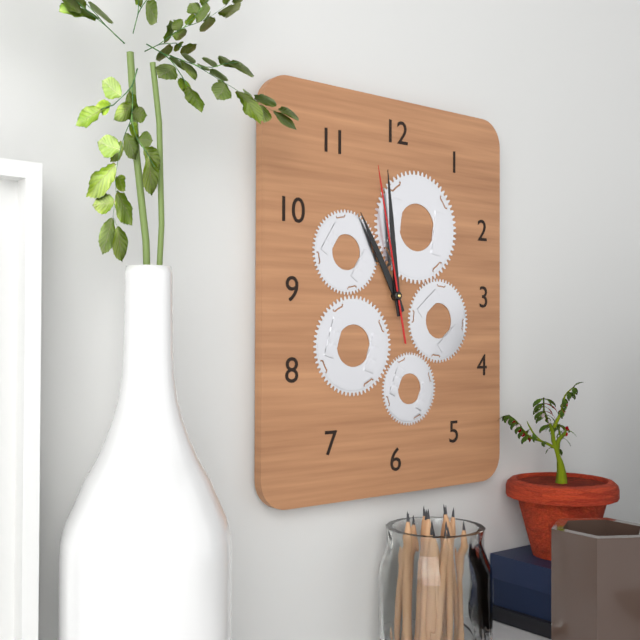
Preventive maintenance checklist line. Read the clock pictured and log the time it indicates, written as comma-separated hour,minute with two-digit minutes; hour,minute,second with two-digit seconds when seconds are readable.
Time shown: 10,59,58
